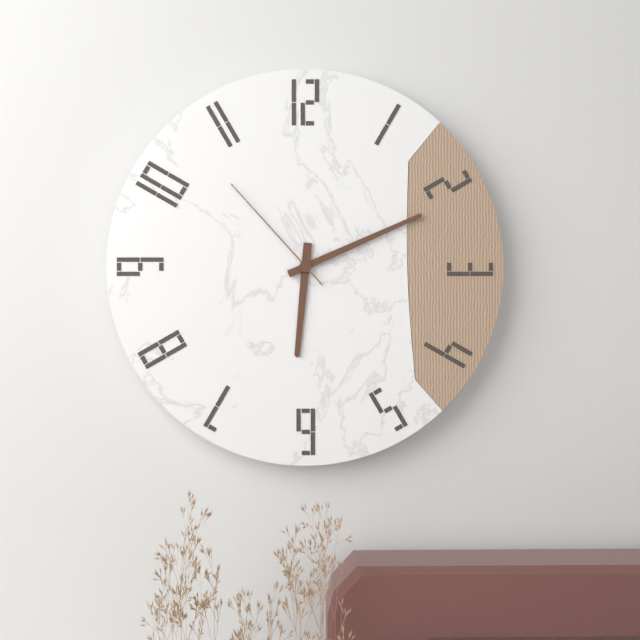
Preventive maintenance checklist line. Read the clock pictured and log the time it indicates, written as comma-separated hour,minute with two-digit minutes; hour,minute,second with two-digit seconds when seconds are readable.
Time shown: 6,11,53
